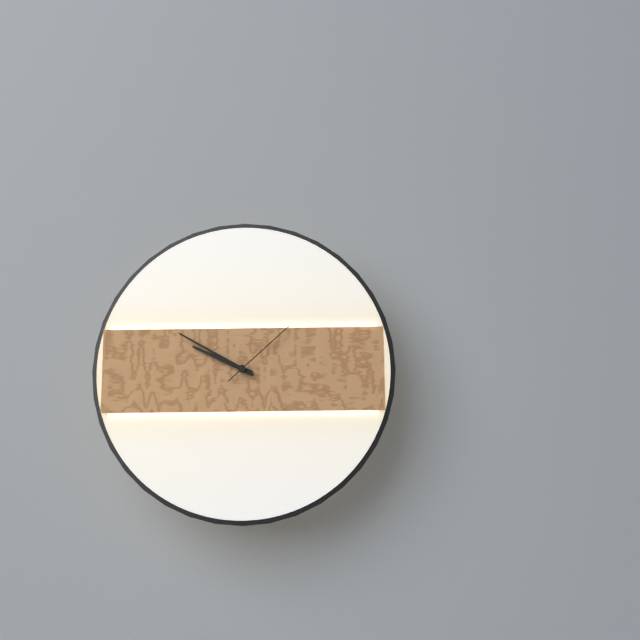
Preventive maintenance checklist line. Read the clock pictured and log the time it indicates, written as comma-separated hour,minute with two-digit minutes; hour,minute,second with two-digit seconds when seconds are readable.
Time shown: 9,50,08
